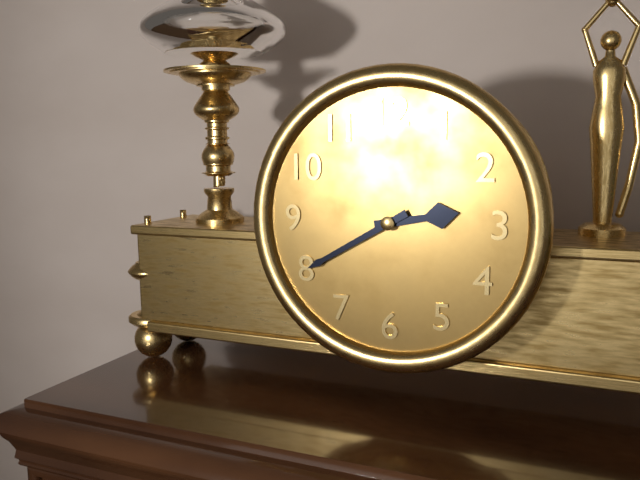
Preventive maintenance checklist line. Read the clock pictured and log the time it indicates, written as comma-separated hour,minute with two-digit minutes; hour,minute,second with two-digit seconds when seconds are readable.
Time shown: 2,40
